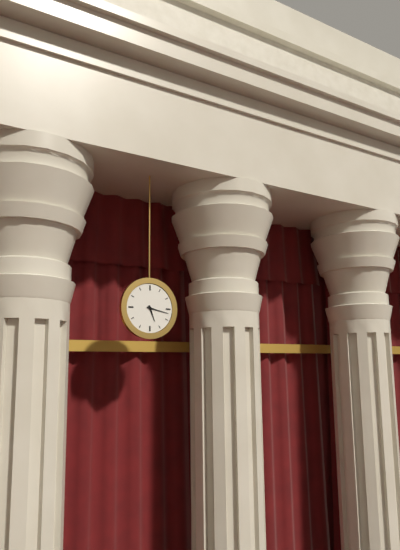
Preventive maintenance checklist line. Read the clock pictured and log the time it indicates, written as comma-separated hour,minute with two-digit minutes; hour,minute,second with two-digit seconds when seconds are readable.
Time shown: 5,17
